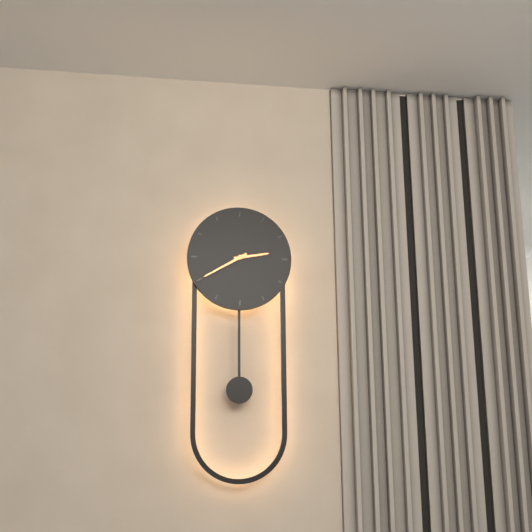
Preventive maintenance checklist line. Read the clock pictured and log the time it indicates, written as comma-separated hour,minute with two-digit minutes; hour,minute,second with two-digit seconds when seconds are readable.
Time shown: 2,40
